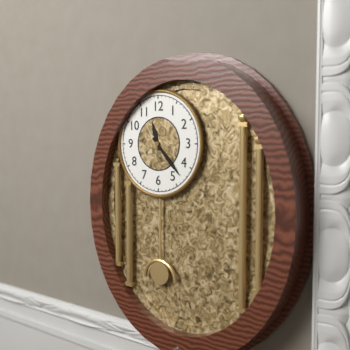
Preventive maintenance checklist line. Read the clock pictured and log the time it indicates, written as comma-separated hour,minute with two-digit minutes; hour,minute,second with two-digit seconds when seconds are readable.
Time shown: 11,23
